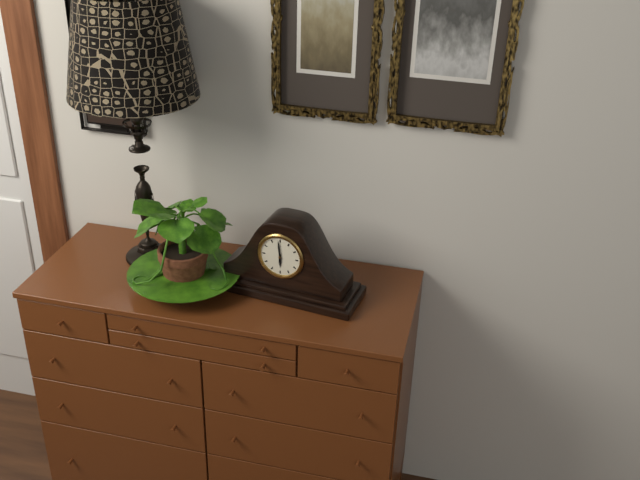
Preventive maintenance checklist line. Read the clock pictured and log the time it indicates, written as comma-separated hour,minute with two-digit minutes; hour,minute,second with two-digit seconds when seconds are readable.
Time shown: 5,59
